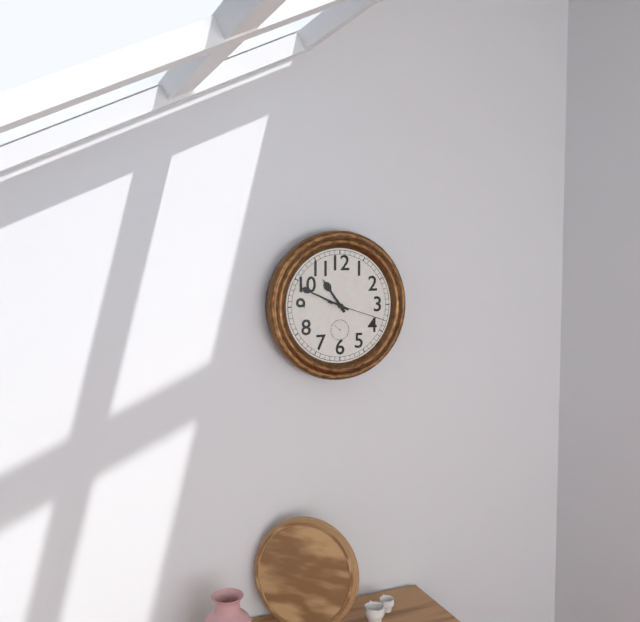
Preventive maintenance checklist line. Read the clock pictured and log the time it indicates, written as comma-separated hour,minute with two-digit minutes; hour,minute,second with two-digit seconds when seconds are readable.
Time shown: 10,49,18
